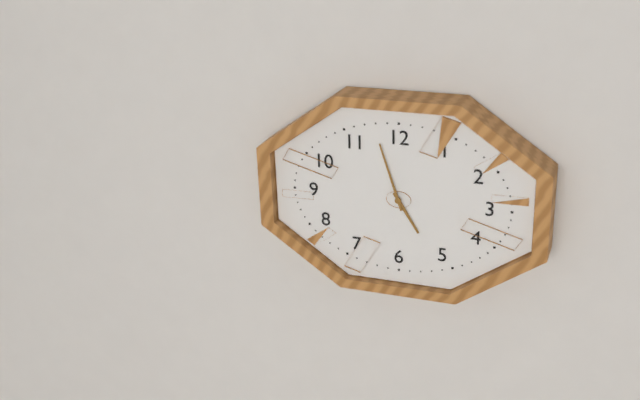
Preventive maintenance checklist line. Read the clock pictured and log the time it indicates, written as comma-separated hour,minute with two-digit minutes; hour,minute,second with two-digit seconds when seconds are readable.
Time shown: 4,57
